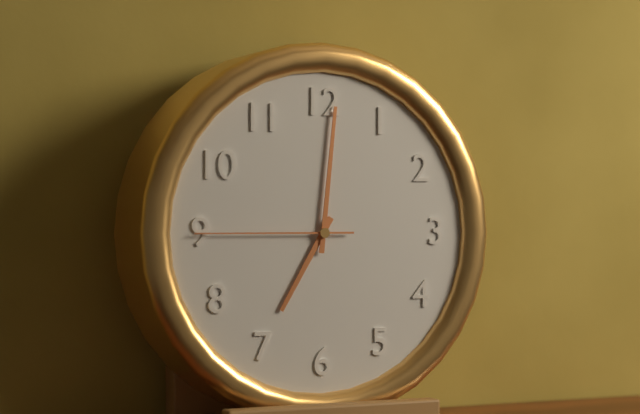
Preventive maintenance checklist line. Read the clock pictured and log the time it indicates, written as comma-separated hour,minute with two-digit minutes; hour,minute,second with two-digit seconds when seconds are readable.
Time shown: 7,01,45
